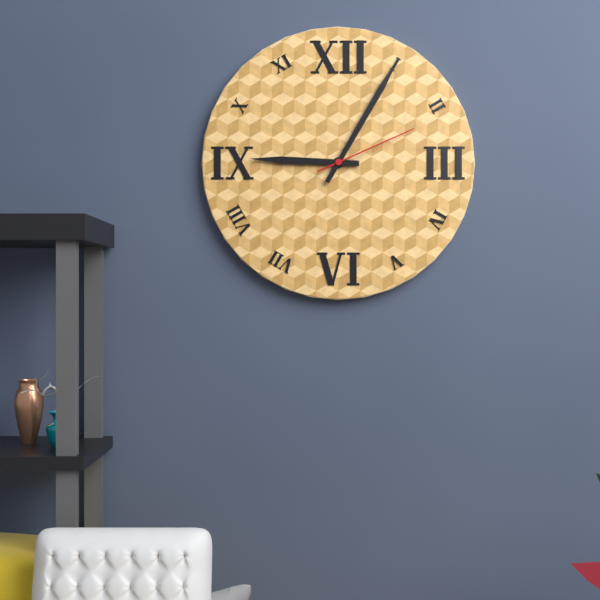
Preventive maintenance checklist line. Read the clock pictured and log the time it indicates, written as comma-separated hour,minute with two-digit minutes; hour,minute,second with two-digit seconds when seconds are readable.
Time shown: 9,05,11
